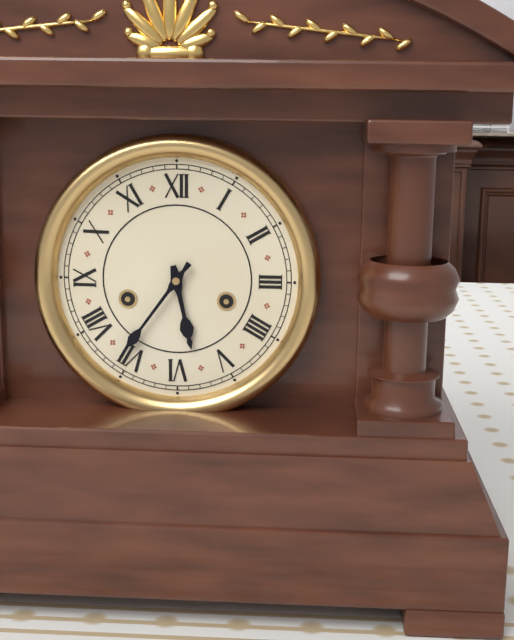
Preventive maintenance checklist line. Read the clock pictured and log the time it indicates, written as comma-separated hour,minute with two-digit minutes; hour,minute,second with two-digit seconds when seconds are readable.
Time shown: 5,36
